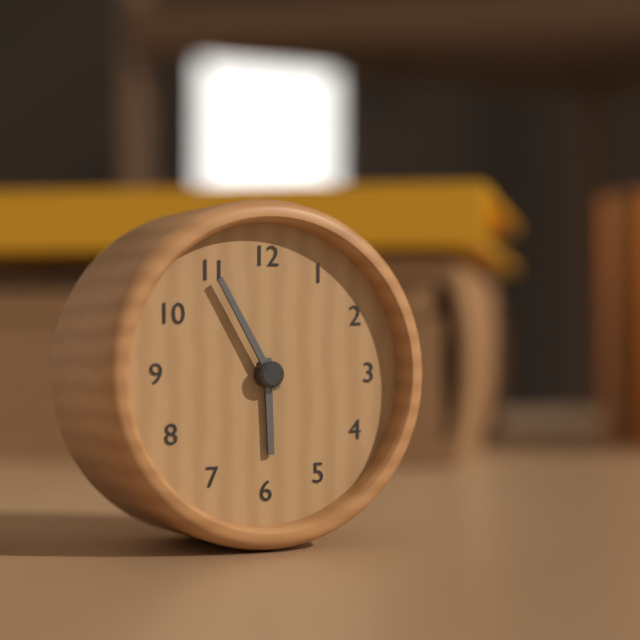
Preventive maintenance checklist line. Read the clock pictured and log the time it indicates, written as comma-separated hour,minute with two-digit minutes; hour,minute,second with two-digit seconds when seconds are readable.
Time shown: 5,55
